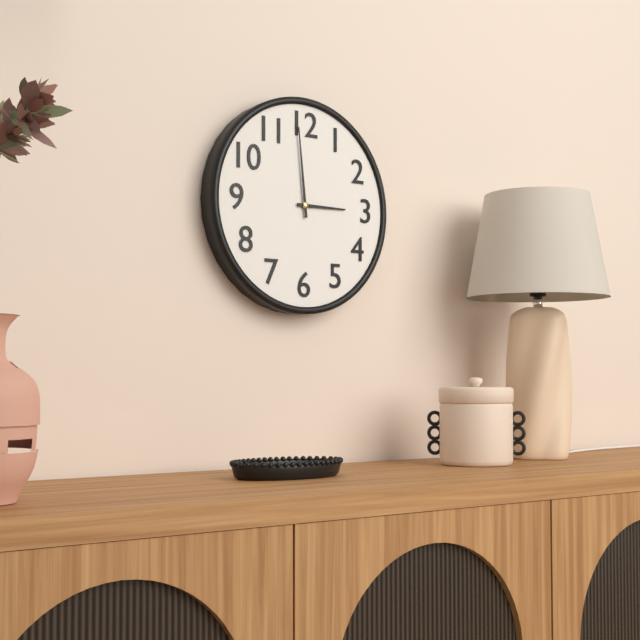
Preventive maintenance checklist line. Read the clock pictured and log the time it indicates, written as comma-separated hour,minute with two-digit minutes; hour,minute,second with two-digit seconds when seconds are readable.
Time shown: 2,59
